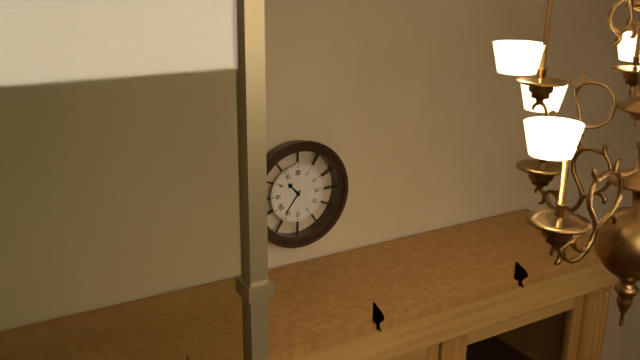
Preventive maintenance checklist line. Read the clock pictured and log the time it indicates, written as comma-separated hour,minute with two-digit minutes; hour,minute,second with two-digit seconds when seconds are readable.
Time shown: 10,36
